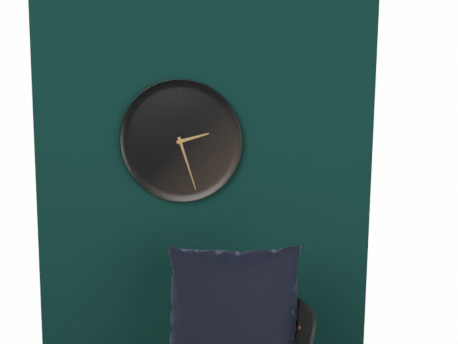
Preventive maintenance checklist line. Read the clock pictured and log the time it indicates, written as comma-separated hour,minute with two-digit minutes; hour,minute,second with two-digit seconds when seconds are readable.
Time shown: 2,27
